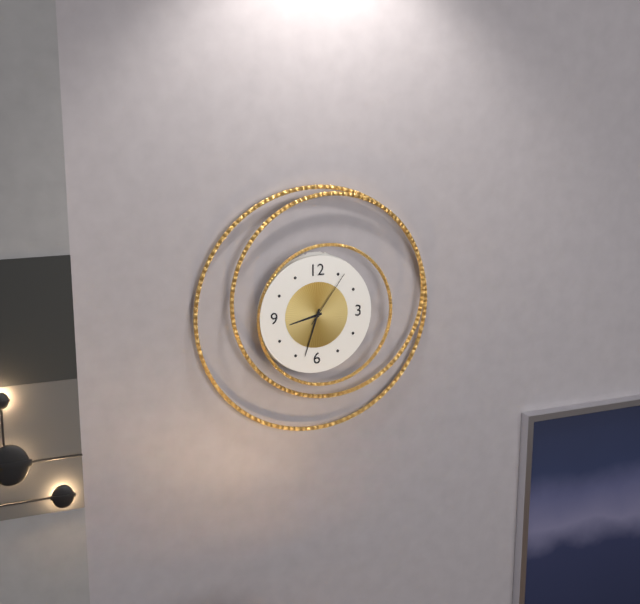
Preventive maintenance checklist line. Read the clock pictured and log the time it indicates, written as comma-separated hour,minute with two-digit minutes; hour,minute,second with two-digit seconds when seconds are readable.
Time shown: 8,33,06
